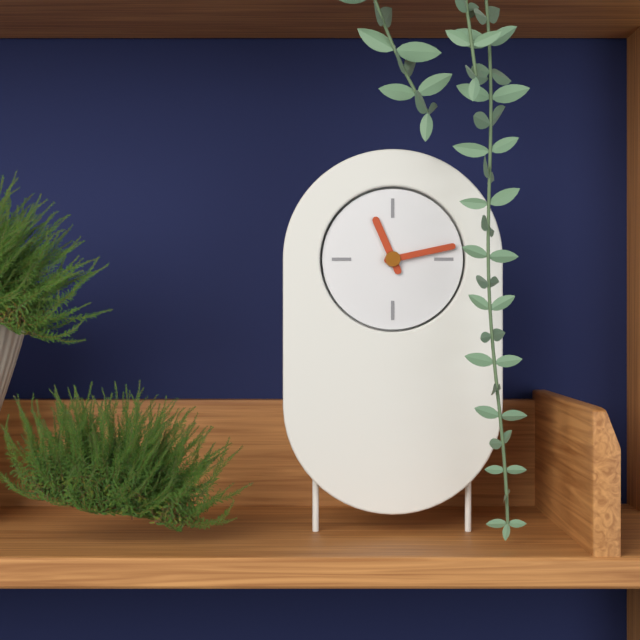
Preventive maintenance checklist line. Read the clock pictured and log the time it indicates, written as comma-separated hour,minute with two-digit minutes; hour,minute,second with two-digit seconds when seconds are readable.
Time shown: 11,13
